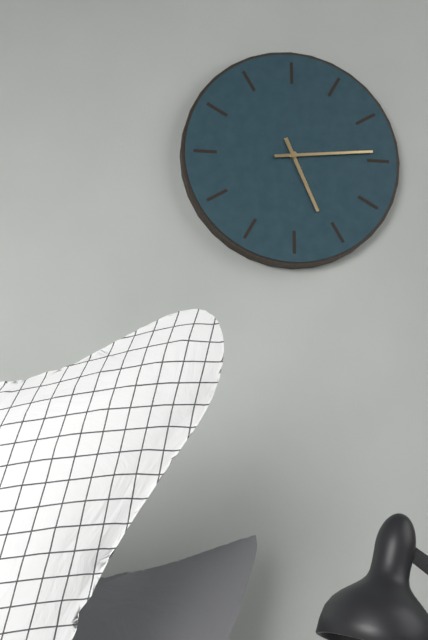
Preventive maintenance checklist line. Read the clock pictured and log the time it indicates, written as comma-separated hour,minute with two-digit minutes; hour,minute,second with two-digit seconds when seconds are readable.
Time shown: 5,14
